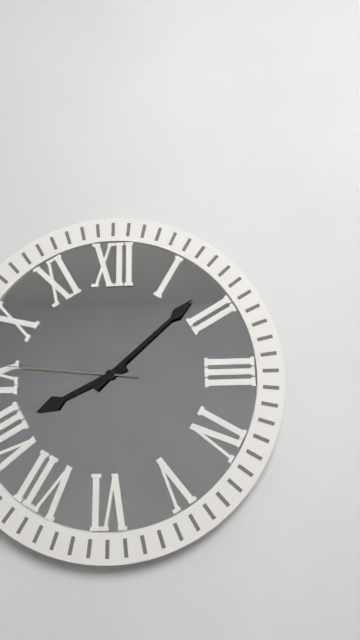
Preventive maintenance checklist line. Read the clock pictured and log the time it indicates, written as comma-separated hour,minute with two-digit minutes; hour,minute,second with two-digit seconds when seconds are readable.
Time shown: 8,08,46
